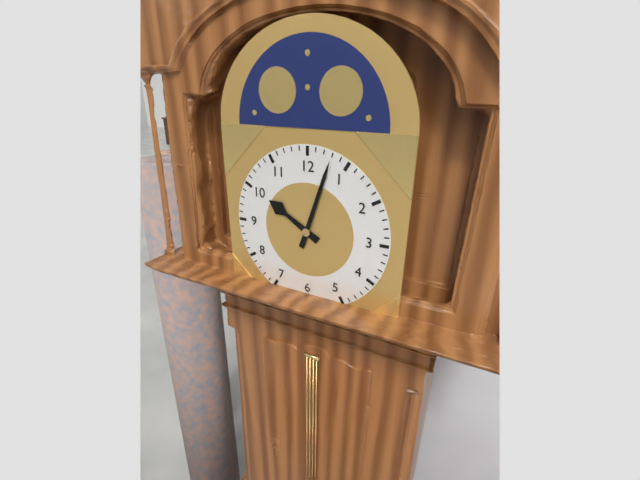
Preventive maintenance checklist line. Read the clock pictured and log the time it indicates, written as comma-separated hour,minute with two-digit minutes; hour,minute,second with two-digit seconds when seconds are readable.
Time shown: 10,03
